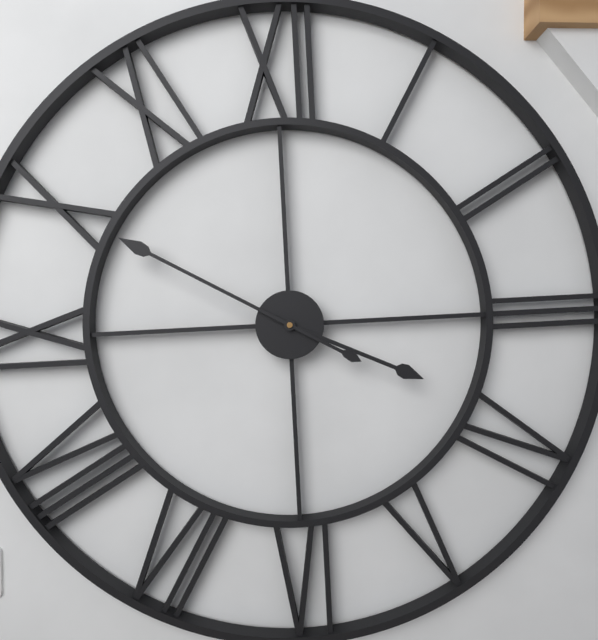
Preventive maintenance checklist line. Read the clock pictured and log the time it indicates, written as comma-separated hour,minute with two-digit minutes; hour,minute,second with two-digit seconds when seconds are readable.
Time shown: 3,50
